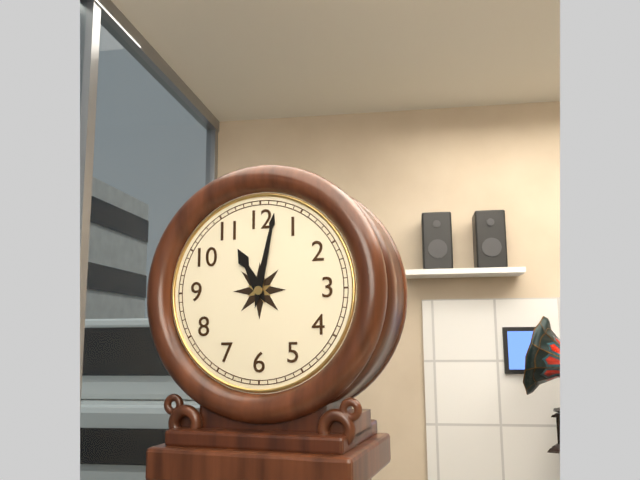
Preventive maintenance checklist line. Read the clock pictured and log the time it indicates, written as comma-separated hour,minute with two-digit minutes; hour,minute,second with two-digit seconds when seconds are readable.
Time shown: 11,02
